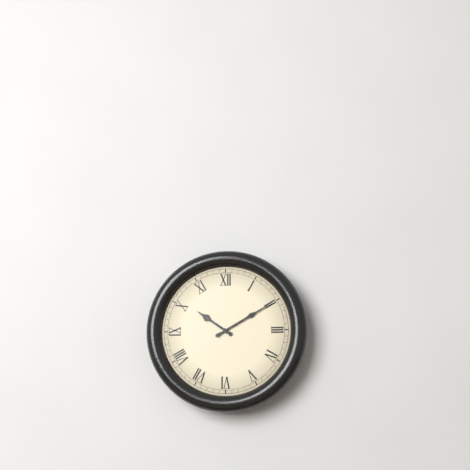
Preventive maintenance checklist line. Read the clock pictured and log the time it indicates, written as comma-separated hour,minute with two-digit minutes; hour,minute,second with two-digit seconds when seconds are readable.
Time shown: 10,10
